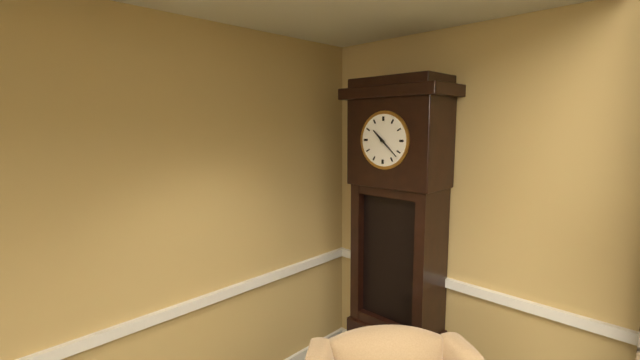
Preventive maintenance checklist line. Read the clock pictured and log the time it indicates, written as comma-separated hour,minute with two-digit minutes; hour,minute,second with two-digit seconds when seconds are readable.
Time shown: 10,22
